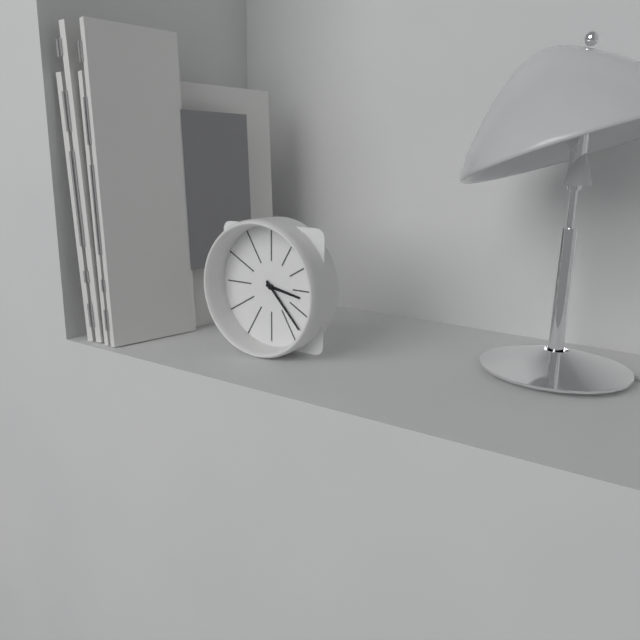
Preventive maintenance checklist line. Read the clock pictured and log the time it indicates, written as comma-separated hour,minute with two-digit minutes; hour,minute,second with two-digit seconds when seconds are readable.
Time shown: 3,23
